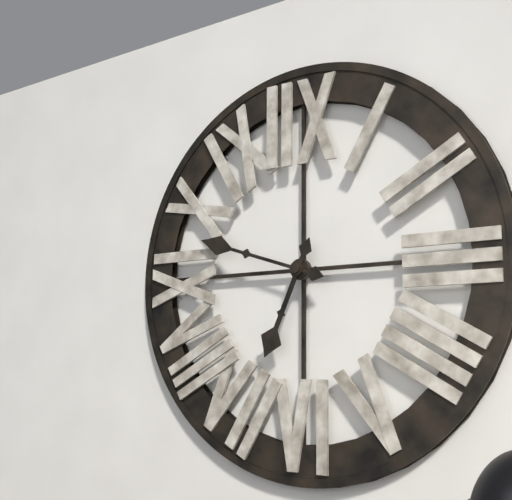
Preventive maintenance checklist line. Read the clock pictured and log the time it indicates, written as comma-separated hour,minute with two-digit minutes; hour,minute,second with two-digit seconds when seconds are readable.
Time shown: 6,48
